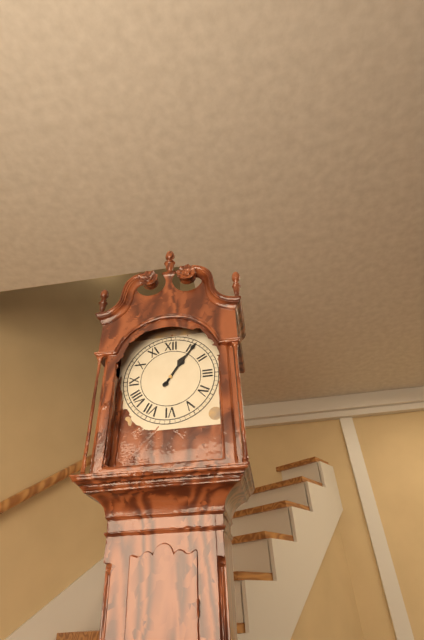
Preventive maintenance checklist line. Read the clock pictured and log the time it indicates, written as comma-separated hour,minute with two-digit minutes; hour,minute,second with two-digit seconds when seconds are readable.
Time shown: 1,06
